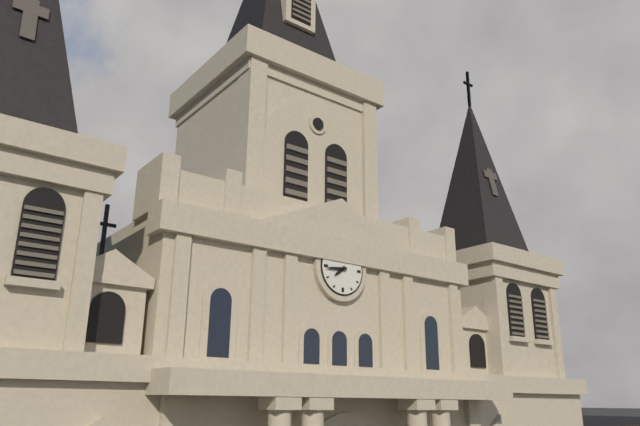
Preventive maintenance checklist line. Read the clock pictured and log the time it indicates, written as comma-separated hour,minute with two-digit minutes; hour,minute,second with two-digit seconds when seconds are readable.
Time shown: 7,44
